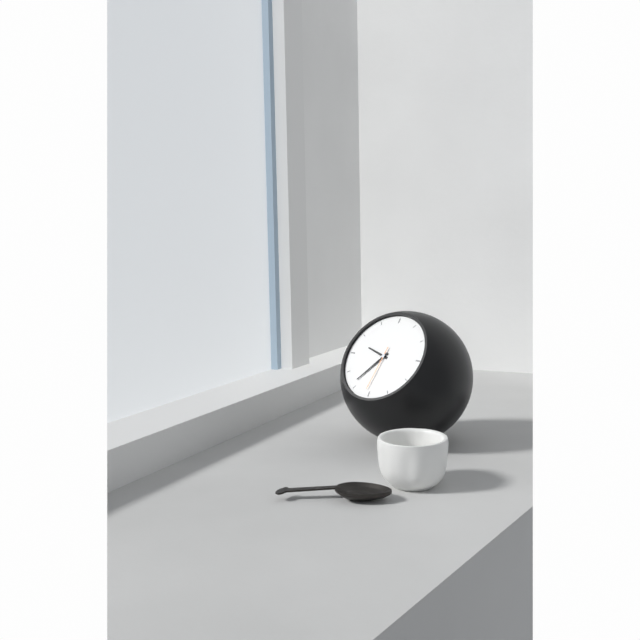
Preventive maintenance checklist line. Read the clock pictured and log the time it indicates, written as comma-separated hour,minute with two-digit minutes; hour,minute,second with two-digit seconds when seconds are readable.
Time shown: 9,36,31
